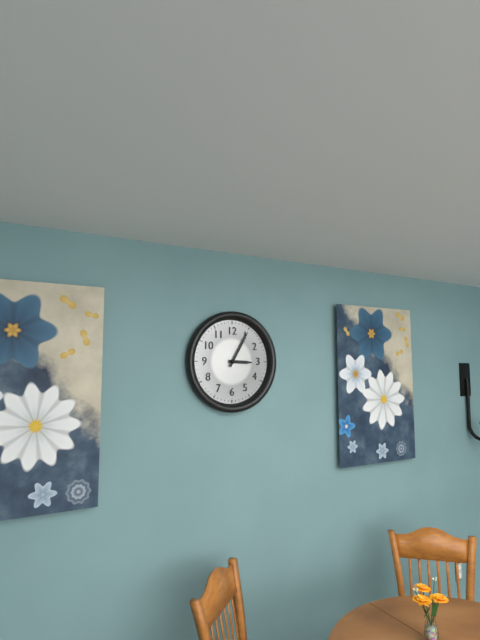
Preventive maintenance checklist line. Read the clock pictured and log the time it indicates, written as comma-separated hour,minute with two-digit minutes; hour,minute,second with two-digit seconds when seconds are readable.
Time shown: 3,05
